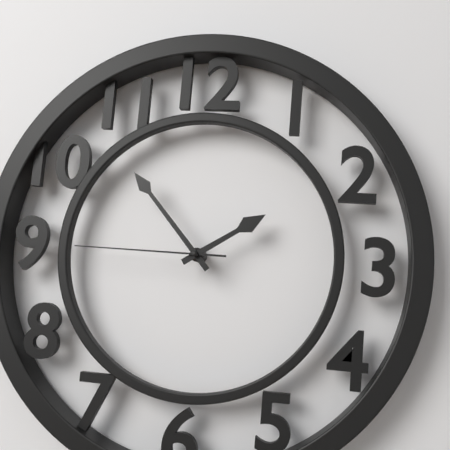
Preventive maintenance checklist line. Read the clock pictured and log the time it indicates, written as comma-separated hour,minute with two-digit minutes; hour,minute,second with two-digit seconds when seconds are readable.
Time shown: 1,53,45
